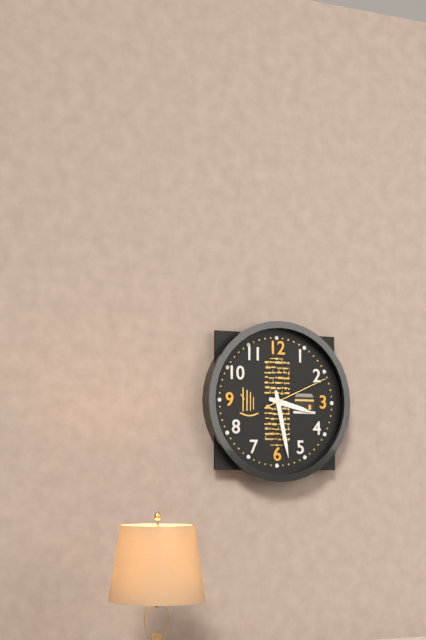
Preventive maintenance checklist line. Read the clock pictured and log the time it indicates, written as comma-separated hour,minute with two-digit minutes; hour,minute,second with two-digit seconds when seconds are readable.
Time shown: 3,28,11
